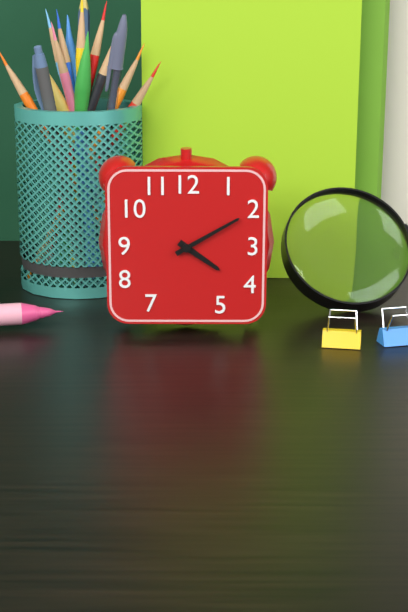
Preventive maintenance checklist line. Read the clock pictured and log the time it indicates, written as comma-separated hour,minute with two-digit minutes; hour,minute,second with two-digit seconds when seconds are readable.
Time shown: 4,10
